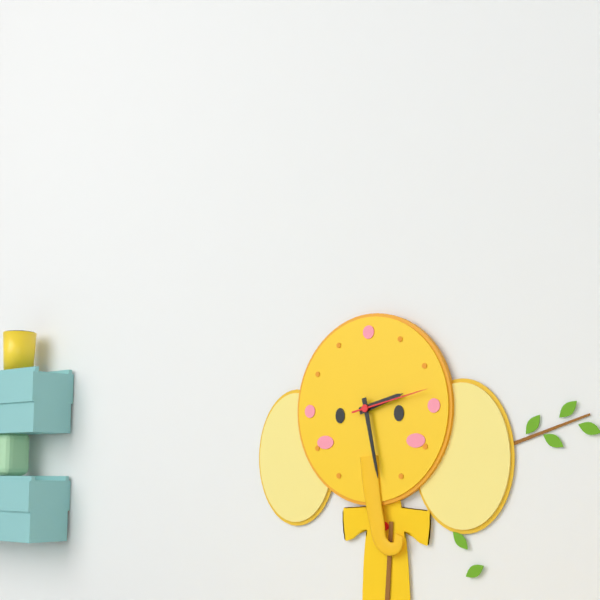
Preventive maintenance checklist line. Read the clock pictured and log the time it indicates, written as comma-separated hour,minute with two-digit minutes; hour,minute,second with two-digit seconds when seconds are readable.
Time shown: 2,28,13
